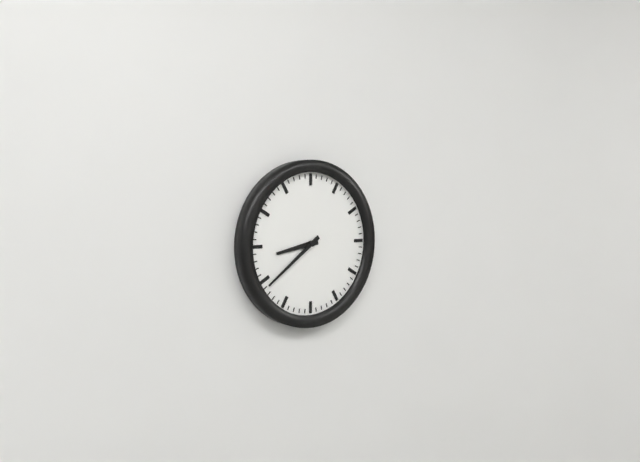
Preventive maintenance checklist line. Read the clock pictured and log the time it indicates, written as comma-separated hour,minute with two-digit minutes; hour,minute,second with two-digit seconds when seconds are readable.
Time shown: 8,39
